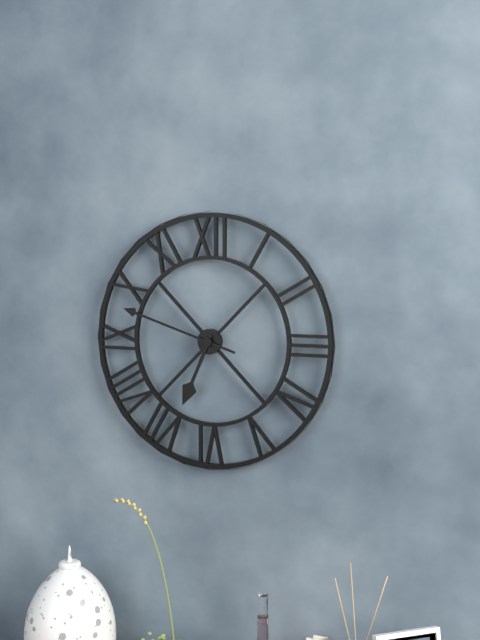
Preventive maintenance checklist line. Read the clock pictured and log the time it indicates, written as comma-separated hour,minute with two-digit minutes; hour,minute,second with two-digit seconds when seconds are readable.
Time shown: 6,48
